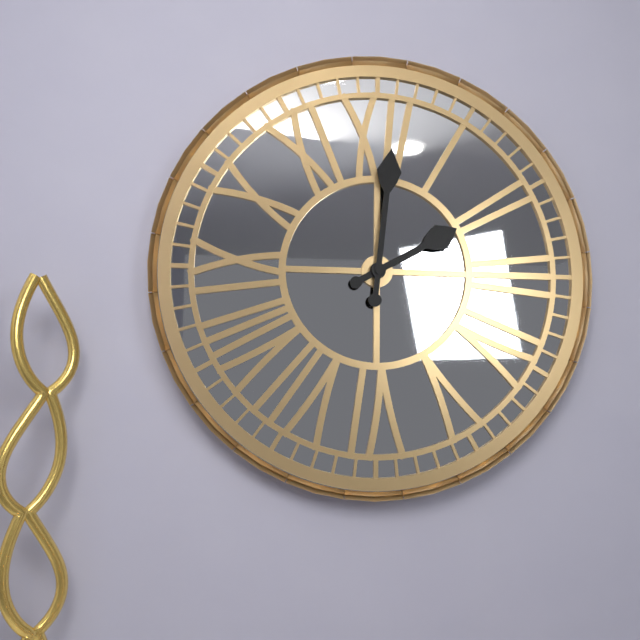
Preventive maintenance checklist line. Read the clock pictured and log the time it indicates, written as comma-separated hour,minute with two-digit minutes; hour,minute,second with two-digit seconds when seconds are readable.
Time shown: 2,01
